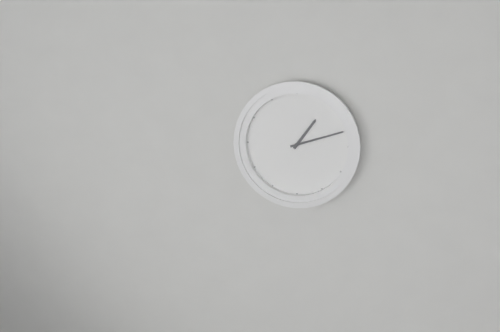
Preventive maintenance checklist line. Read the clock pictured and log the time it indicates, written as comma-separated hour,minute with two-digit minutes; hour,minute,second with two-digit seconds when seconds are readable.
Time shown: 1,12
